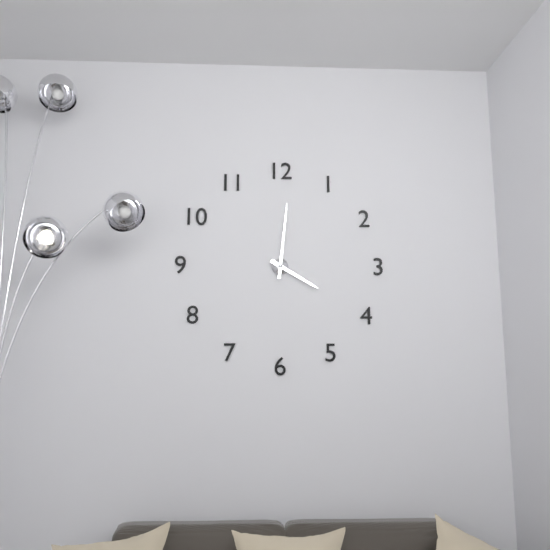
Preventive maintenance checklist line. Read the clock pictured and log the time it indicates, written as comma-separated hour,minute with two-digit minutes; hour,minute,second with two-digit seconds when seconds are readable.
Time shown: 4,01
